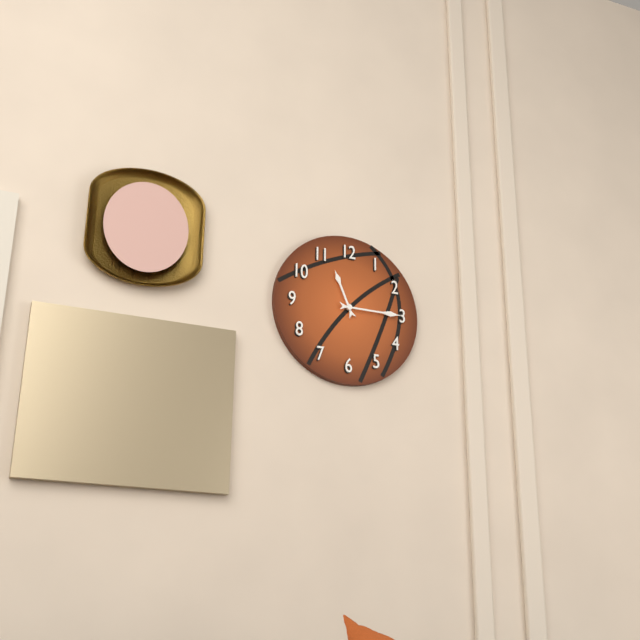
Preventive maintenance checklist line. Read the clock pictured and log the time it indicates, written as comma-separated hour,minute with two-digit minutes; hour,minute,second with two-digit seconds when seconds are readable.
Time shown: 11,15
